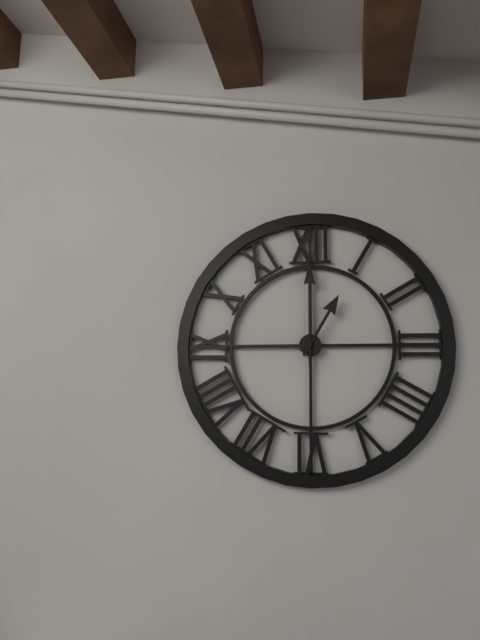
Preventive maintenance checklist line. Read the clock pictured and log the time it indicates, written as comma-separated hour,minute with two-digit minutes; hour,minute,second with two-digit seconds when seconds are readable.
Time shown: 1,00
